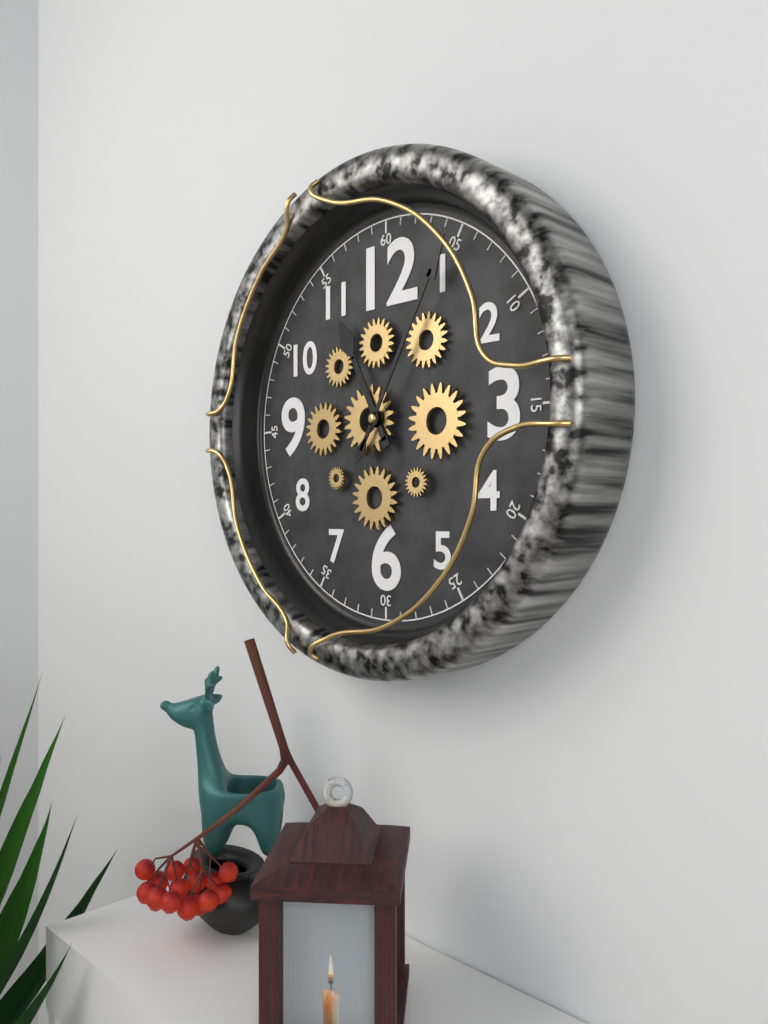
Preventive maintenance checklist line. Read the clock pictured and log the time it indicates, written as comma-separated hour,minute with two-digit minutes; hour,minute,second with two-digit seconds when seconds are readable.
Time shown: 11,05
